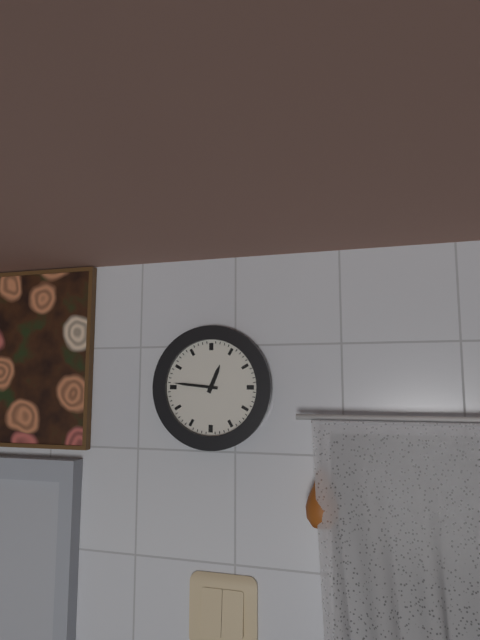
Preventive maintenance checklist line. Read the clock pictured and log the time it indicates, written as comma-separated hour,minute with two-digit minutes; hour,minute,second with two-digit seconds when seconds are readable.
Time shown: 12,46
